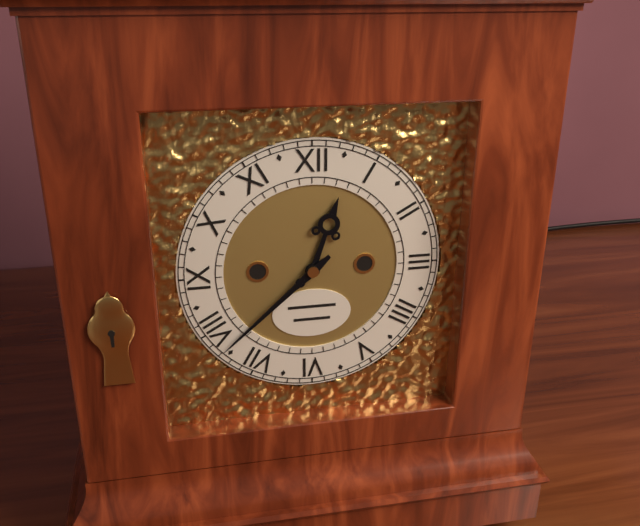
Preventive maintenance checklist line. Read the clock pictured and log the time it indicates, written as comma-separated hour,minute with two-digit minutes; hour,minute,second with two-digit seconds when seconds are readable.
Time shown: 12,38
